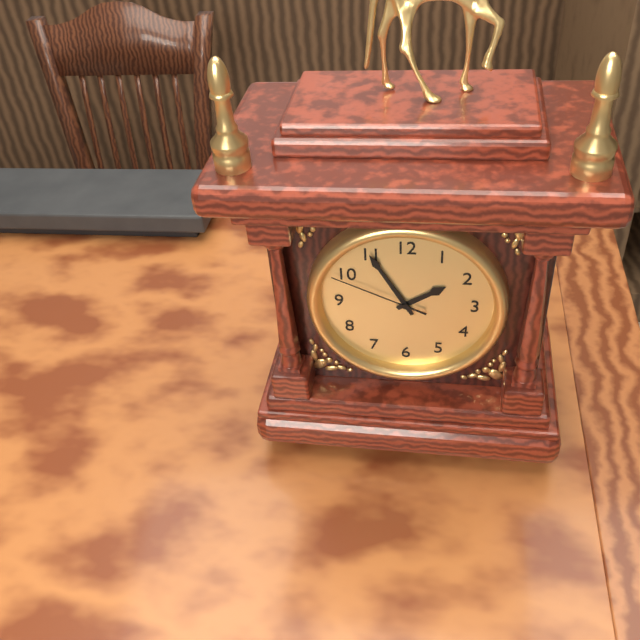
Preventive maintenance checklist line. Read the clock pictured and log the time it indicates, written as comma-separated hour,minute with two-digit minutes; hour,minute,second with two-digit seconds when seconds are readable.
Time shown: 1,55,49
